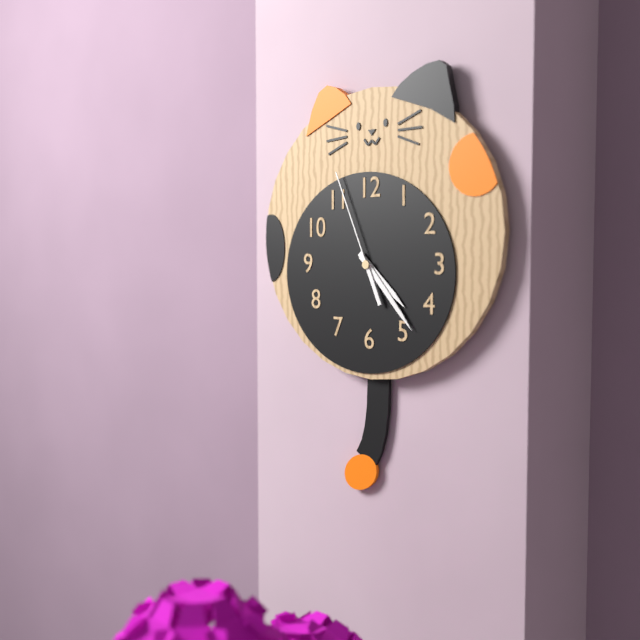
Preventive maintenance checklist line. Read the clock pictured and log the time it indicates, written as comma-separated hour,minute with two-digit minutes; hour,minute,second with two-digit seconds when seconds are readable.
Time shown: 4,23,56
